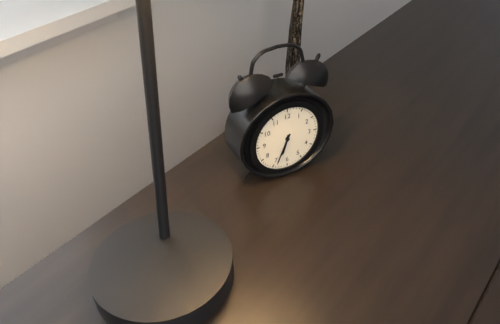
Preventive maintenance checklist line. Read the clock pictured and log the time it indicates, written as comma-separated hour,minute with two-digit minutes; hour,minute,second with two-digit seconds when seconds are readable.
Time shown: 6,34
